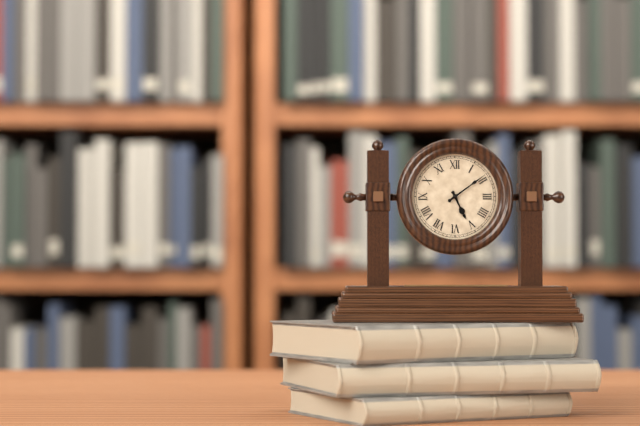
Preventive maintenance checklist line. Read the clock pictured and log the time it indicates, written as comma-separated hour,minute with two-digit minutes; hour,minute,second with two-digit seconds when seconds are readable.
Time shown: 5,09
